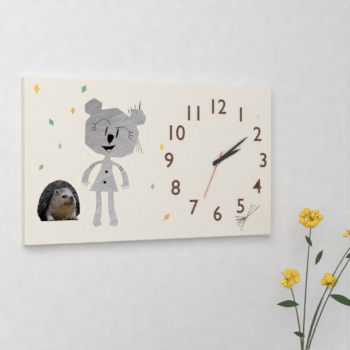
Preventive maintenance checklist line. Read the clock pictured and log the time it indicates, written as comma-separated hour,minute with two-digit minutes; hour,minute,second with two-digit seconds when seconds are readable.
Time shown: 2,09
